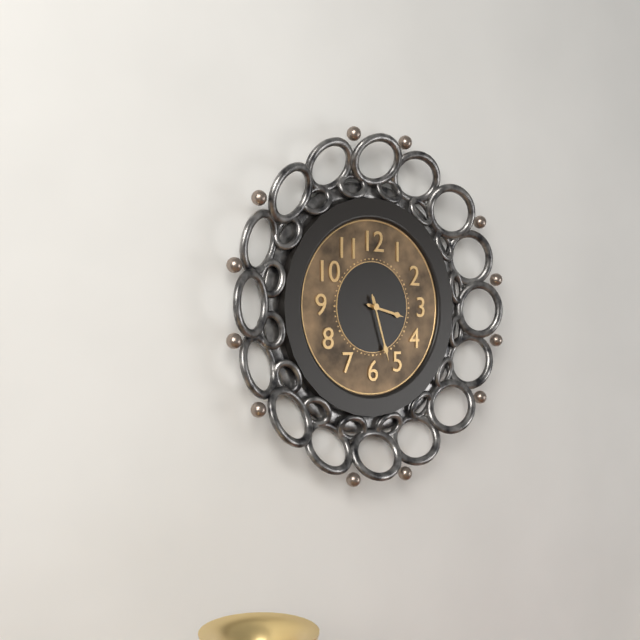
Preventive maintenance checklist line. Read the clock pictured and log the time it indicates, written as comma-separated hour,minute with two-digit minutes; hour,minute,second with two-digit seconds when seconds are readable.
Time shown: 3,27
